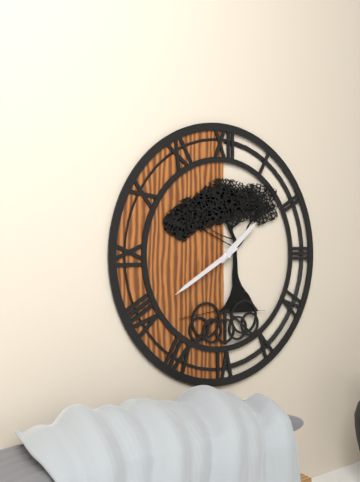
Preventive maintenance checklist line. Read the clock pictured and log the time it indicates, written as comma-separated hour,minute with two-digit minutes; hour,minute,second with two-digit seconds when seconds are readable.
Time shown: 1,40
